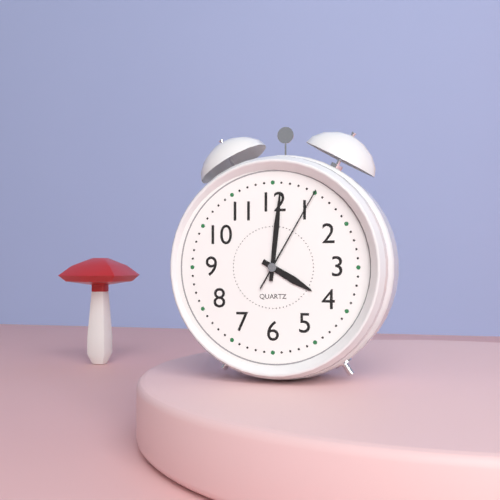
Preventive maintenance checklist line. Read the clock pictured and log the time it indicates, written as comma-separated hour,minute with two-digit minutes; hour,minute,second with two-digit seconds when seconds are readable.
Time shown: 4,01,05
